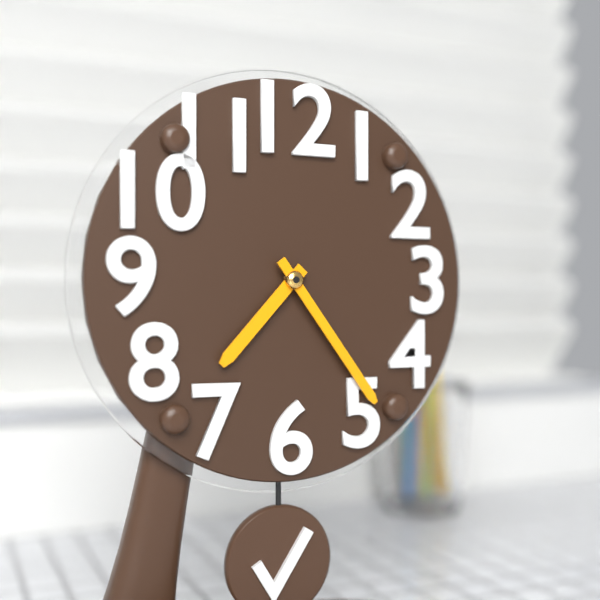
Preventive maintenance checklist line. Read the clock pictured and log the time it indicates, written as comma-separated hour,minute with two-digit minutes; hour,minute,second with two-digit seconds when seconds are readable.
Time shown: 7,24
